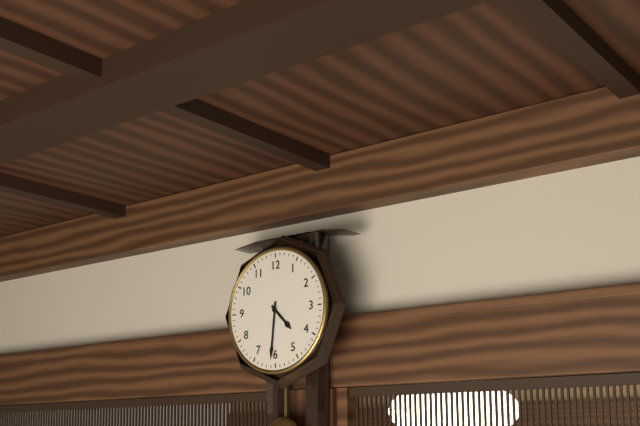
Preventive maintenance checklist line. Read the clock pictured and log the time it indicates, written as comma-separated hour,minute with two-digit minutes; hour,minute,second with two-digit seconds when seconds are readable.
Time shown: 4,31
